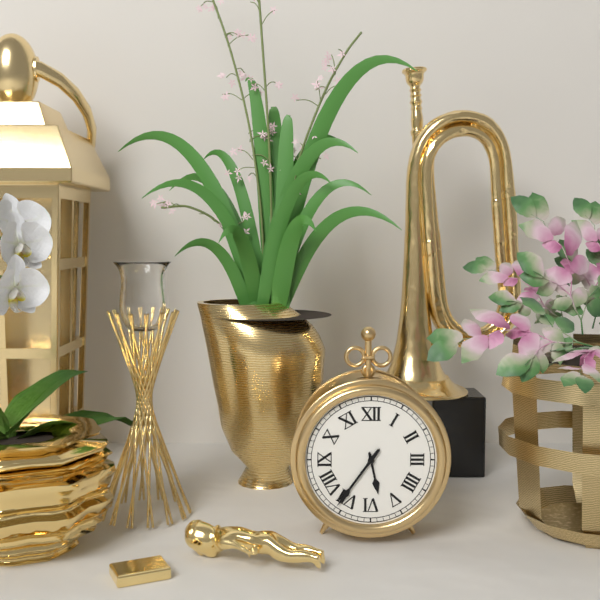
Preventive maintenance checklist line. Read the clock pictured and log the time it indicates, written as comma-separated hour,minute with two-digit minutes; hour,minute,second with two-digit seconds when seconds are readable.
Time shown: 5,36
